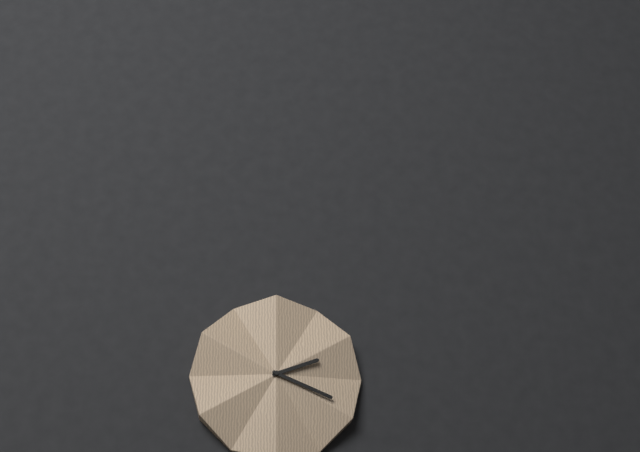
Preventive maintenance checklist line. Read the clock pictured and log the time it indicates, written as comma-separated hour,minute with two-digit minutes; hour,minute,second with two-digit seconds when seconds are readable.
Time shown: 2,19
